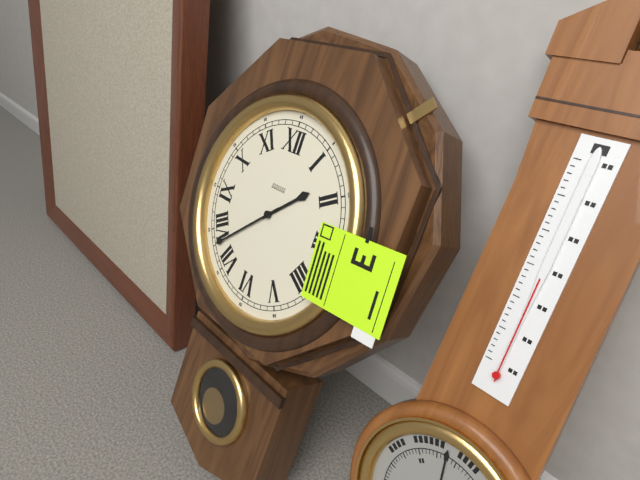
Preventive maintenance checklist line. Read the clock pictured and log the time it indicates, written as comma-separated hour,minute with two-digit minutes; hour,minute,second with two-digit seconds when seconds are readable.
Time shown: 1,38
